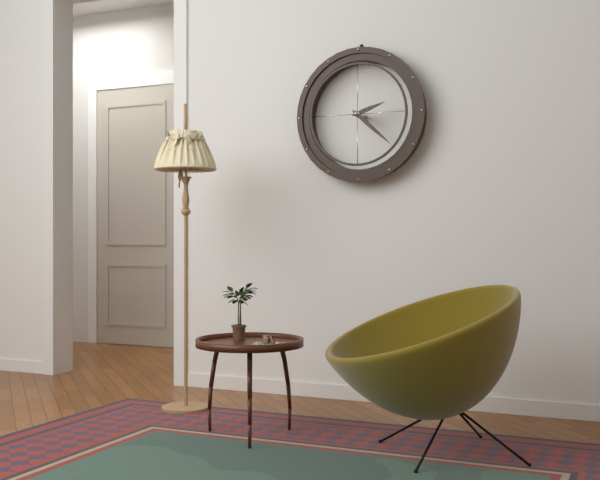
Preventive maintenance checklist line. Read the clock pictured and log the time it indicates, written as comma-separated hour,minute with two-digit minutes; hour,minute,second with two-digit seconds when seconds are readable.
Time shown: 2,22
